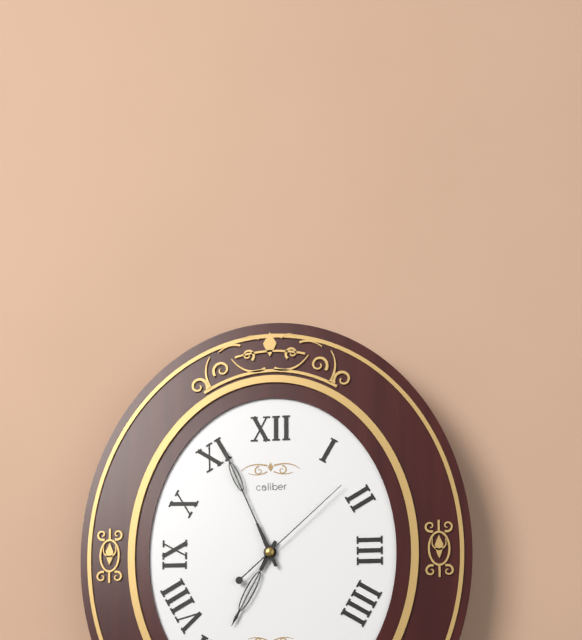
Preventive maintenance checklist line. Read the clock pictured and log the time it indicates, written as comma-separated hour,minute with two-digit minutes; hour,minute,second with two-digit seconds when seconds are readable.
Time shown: 6,56,08
